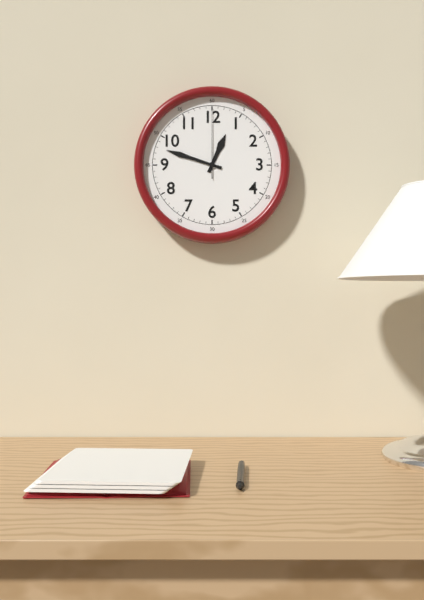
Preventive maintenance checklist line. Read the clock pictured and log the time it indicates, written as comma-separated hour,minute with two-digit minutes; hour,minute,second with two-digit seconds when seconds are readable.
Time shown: 12,48,00
